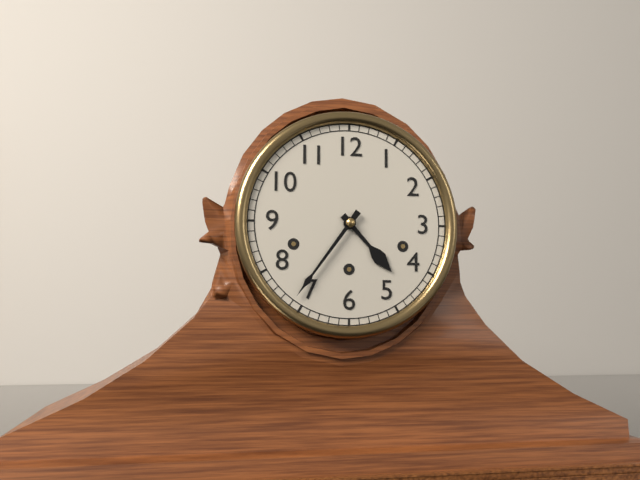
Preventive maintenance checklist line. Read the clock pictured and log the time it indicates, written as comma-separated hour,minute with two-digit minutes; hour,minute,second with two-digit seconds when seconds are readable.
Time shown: 4,36
